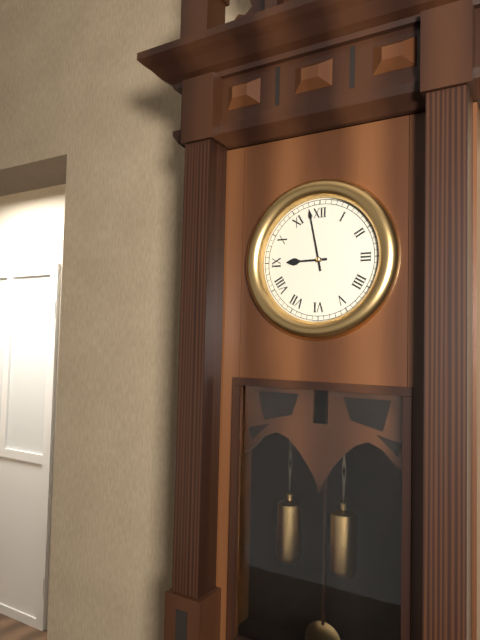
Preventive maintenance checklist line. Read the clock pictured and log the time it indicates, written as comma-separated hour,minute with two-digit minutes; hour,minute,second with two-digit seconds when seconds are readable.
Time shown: 8,58
